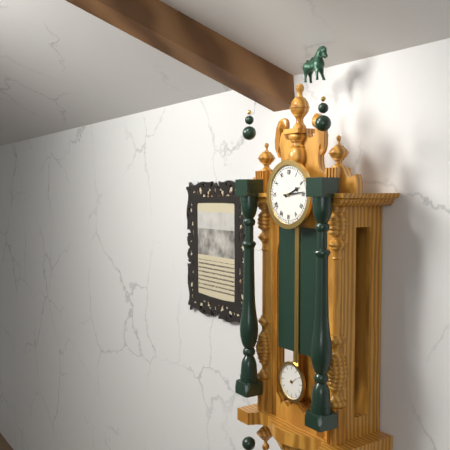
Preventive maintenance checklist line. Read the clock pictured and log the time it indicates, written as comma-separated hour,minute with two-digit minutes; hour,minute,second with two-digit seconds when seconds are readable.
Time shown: 2,14
